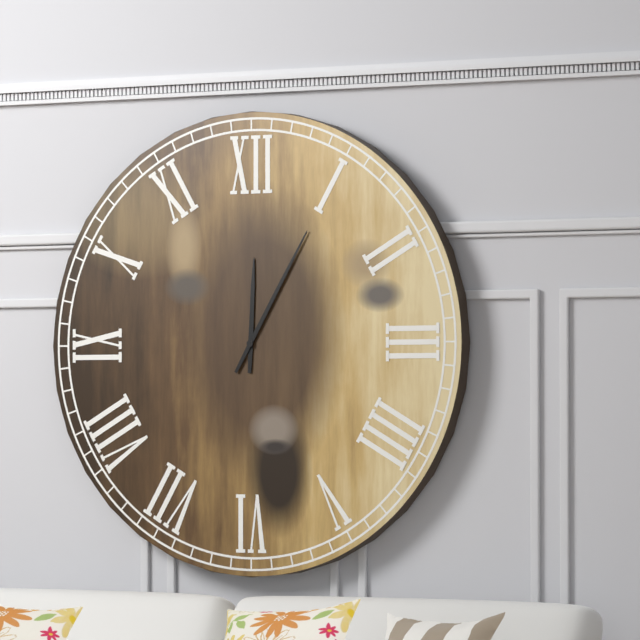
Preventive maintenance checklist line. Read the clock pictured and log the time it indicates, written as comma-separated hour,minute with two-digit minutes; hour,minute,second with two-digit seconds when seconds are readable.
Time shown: 12,05
